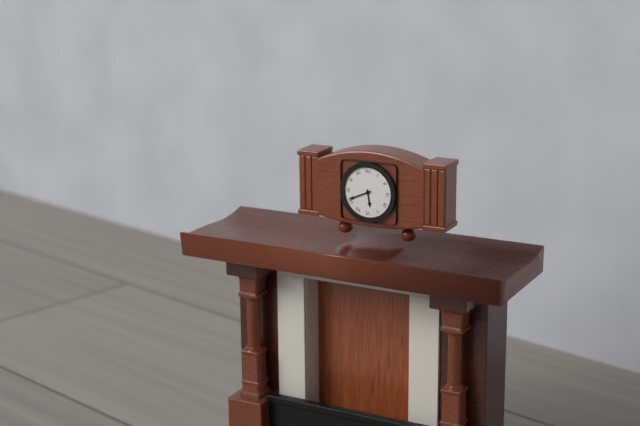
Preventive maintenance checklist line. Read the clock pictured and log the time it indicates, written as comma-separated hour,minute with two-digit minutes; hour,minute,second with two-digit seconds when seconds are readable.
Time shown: 5,41
